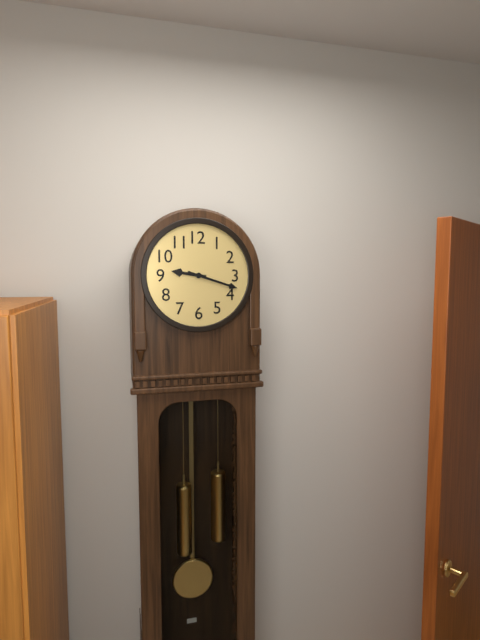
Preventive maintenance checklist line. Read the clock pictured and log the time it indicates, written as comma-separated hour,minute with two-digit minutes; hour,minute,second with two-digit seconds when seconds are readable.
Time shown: 9,18
